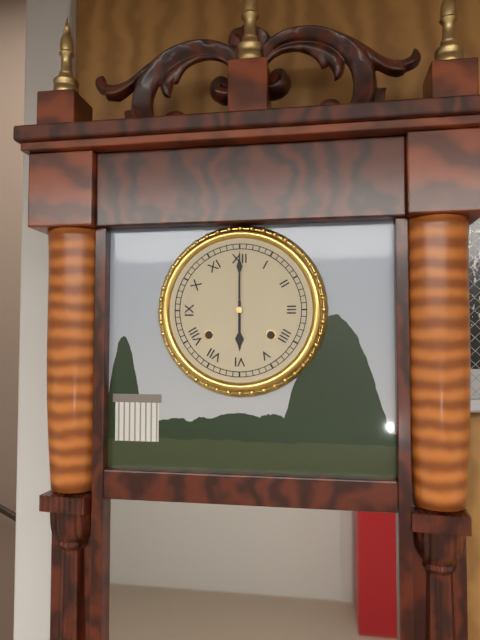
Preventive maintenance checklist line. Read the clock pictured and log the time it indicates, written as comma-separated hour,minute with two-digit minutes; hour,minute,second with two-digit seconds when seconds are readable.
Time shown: 6,00
